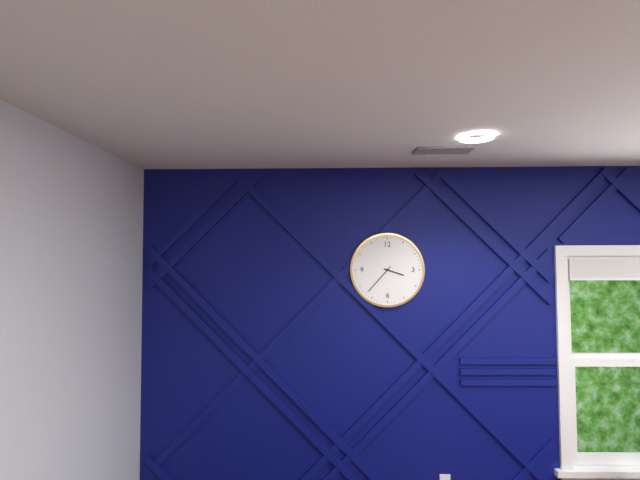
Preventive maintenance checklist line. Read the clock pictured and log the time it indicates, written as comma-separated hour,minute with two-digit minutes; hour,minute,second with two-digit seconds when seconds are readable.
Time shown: 3,37
